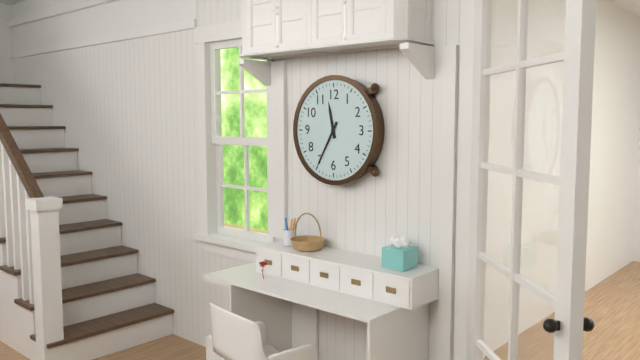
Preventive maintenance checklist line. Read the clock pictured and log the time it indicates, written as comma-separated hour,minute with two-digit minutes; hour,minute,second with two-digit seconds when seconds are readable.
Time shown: 11,35
